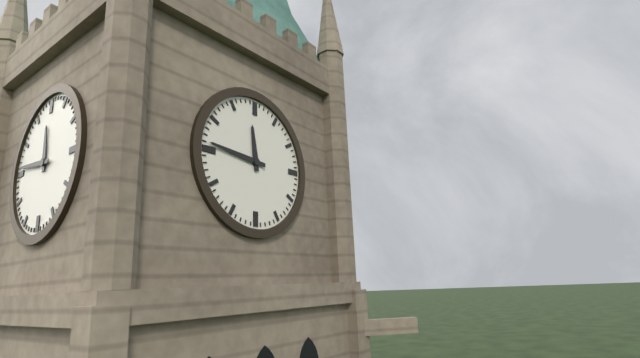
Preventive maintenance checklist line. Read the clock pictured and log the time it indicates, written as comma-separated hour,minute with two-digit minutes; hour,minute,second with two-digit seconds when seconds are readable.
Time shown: 11,46
